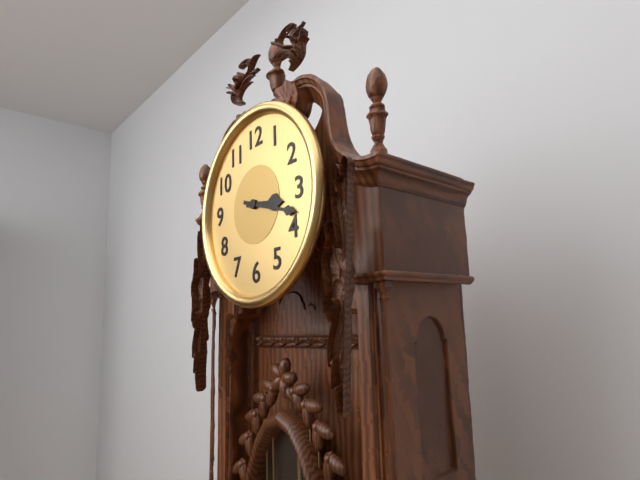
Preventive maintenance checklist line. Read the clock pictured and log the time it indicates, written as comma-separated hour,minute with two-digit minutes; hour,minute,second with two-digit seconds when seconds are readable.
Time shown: 3,18
